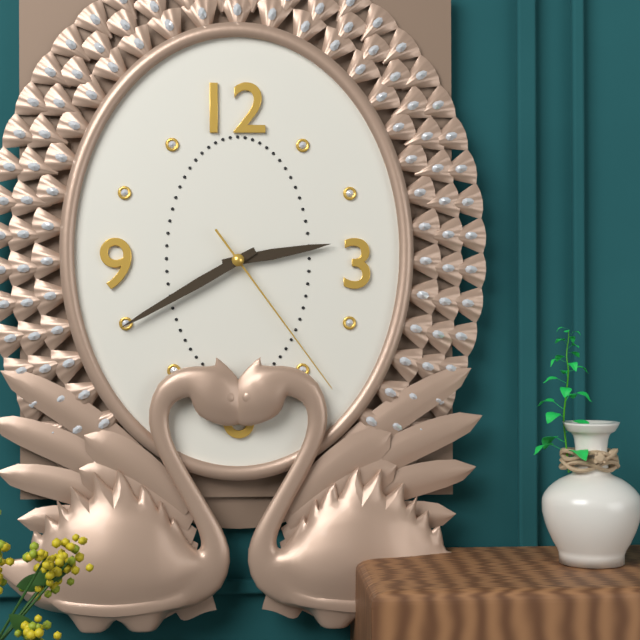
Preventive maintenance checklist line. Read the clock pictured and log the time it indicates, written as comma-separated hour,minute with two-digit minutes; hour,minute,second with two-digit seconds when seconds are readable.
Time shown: 2,40,24
